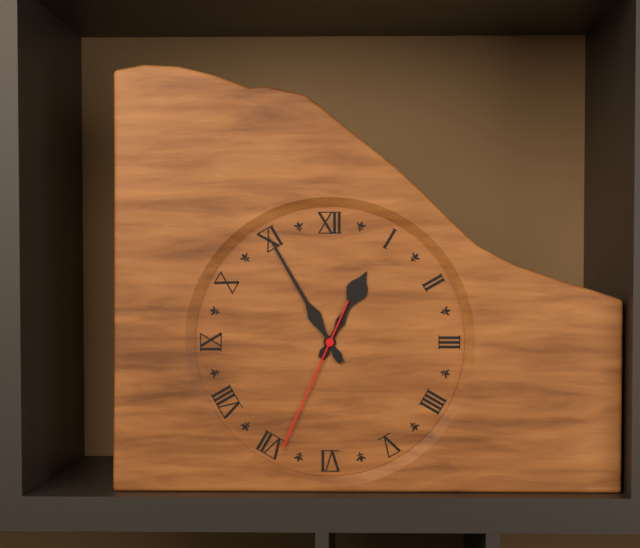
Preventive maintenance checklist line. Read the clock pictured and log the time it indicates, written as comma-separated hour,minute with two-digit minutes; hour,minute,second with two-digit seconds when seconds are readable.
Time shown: 12,55,34
